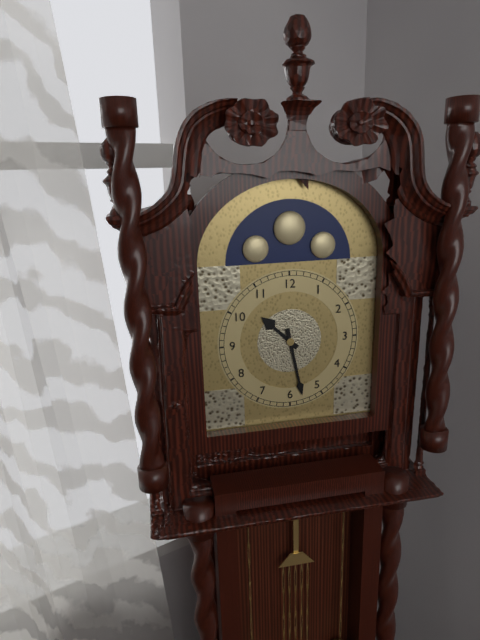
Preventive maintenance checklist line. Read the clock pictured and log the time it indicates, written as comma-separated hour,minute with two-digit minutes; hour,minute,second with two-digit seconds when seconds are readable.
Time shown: 10,28
